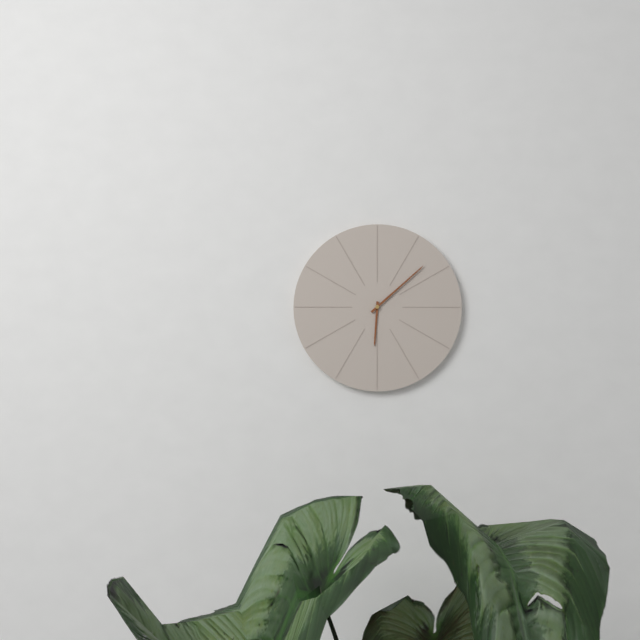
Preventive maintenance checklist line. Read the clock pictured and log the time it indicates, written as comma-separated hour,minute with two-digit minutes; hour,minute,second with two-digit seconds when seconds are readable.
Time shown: 6,08
